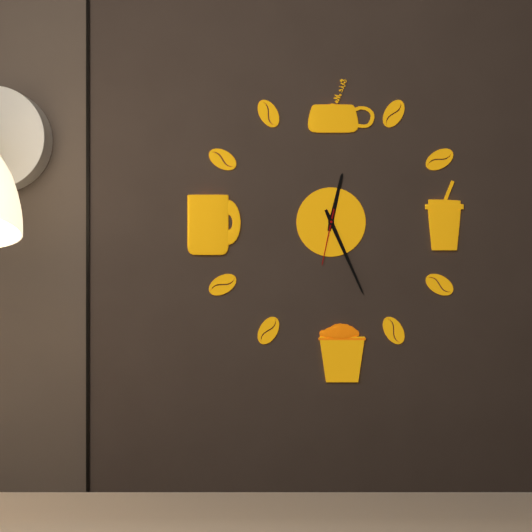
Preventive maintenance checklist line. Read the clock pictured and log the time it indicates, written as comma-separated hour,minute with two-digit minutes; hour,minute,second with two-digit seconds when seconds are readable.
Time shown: 12,26,32
